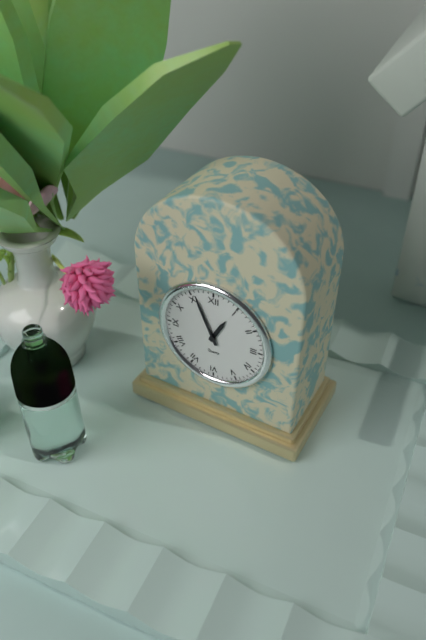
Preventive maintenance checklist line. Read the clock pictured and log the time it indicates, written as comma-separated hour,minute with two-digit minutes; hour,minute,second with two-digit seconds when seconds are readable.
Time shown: 12,56
